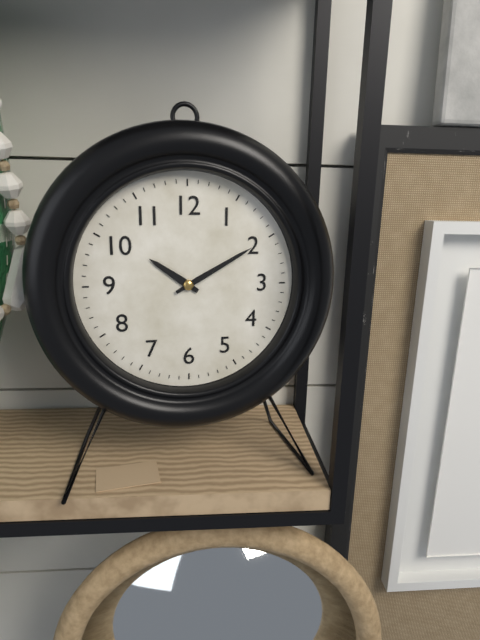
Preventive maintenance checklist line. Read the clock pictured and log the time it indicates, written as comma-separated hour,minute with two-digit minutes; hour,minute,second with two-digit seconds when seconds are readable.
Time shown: 10,10
